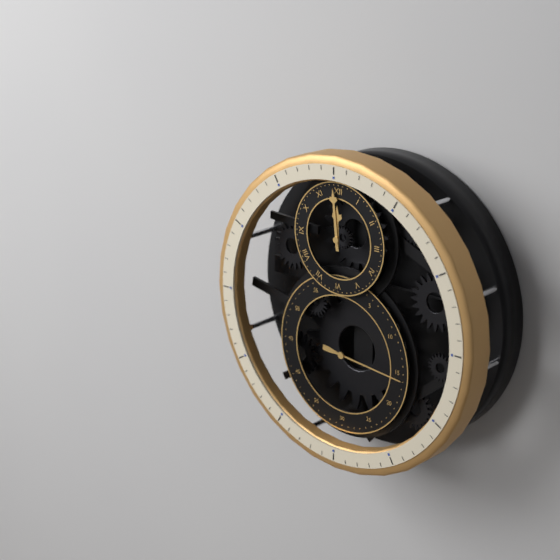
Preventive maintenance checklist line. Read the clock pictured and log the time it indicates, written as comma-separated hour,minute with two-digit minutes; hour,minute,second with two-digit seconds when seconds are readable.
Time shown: 11,59,16
